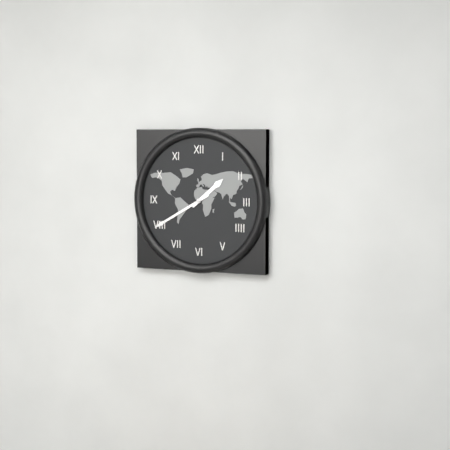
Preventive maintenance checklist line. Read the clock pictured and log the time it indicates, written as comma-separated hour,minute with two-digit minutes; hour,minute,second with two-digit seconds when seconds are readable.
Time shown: 1,40
